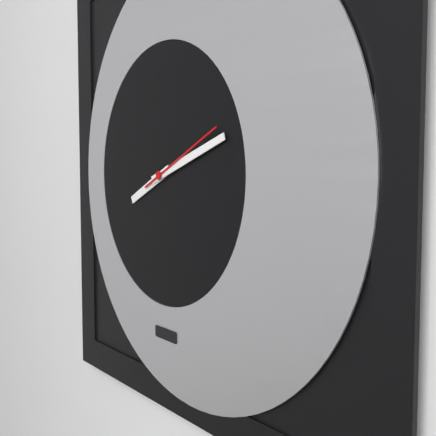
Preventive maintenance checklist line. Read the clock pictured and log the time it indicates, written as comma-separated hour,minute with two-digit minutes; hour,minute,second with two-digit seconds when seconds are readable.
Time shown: 8,12,11
